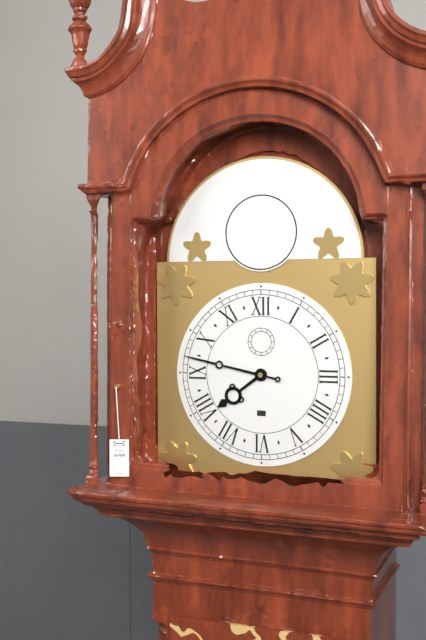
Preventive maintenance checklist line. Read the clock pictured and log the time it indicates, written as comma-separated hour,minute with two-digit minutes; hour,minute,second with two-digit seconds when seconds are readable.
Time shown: 7,47
